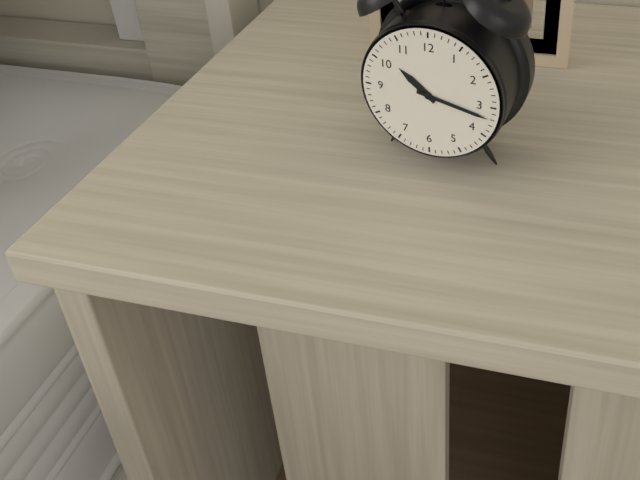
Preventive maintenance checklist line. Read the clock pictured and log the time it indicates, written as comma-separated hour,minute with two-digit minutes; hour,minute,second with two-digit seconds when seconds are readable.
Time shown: 10,17
